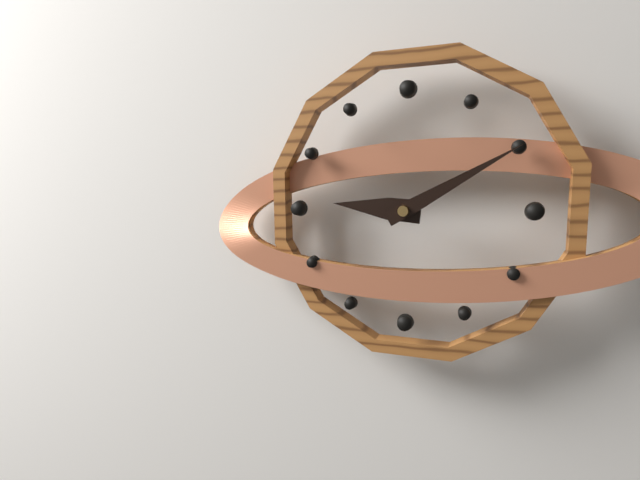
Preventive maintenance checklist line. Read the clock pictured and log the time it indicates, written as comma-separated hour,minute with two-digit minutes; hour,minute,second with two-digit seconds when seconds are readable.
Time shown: 9,10
